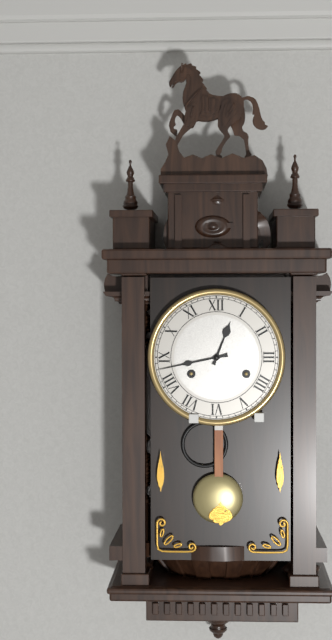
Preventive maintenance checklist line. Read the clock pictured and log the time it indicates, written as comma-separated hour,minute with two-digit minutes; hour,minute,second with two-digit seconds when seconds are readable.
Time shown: 12,43
